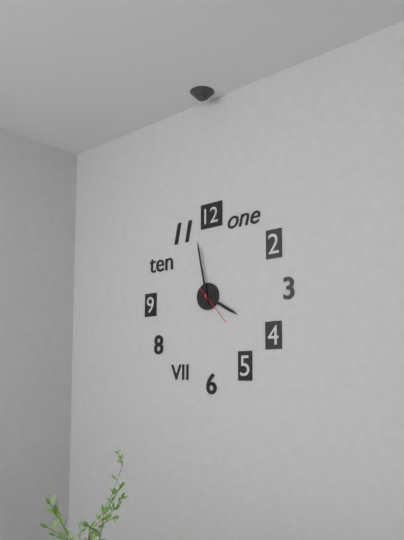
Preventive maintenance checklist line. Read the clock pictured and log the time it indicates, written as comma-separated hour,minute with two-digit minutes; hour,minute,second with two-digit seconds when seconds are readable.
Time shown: 3,58
